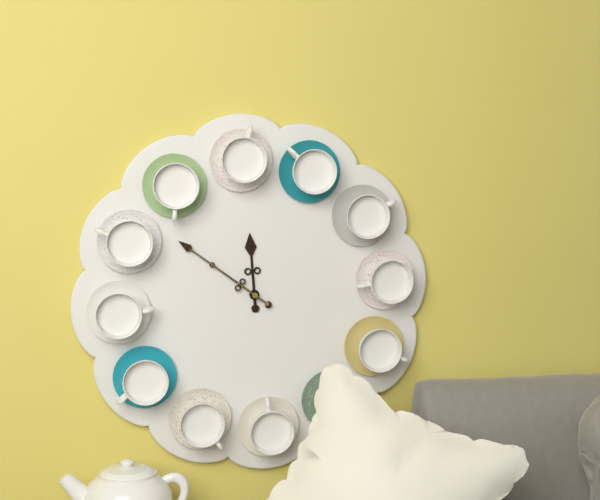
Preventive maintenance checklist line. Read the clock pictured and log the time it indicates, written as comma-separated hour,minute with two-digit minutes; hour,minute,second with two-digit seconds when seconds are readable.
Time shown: 11,51,51
